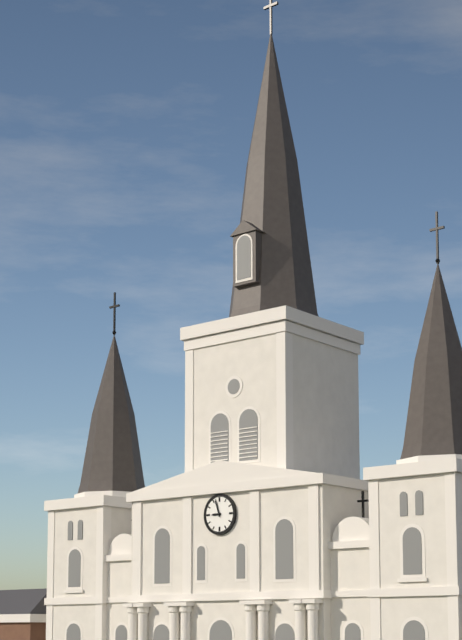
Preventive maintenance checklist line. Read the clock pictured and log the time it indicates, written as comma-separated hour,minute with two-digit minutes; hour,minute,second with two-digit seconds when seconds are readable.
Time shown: 8,57
